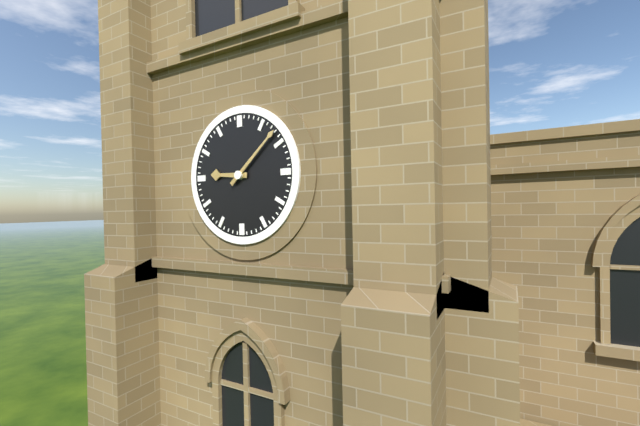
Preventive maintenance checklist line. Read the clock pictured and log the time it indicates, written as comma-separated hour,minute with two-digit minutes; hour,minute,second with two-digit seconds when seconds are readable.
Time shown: 9,08
